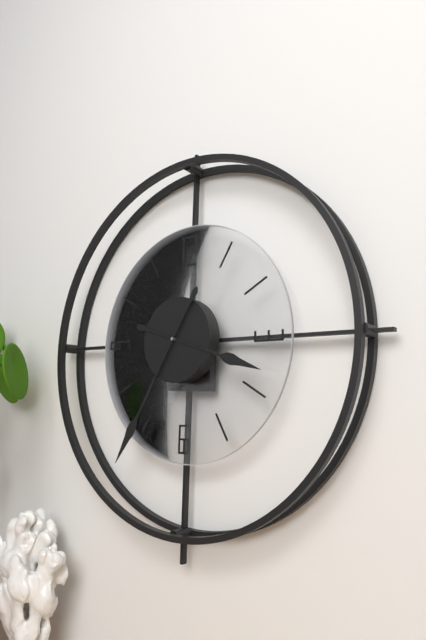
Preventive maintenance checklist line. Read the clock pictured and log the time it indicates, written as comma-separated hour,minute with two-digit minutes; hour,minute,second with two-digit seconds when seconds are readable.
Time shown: 3,35
